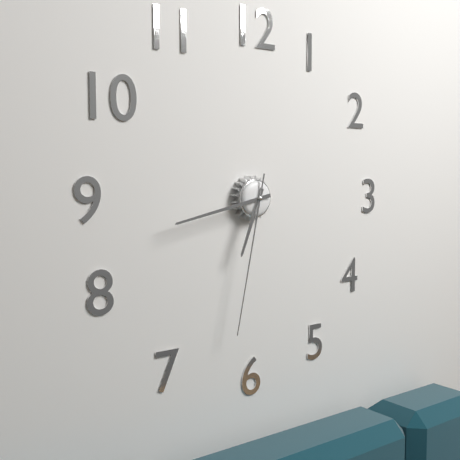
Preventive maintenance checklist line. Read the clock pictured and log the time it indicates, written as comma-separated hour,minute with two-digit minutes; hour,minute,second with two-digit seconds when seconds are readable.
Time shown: 6,43,32
